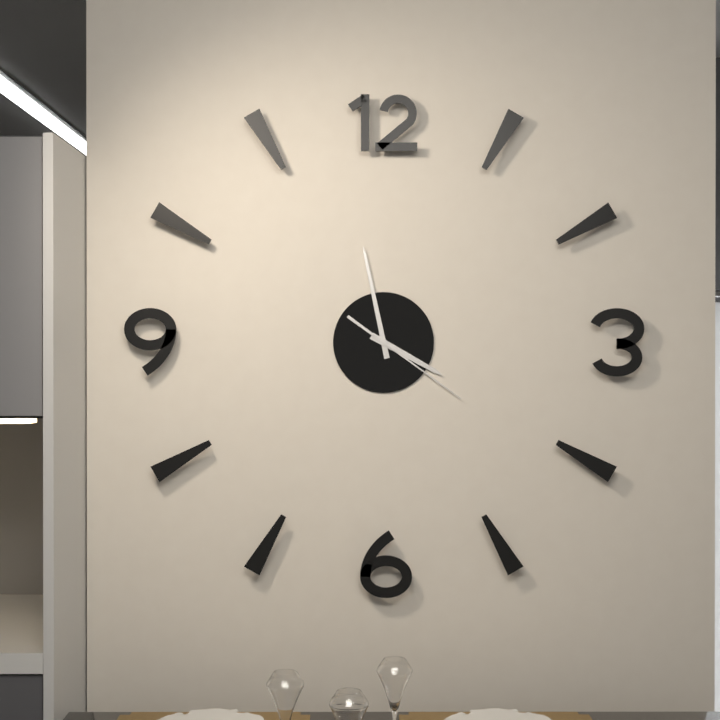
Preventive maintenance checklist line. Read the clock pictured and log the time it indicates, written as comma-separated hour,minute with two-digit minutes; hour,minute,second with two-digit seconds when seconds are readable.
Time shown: 3,58,21
